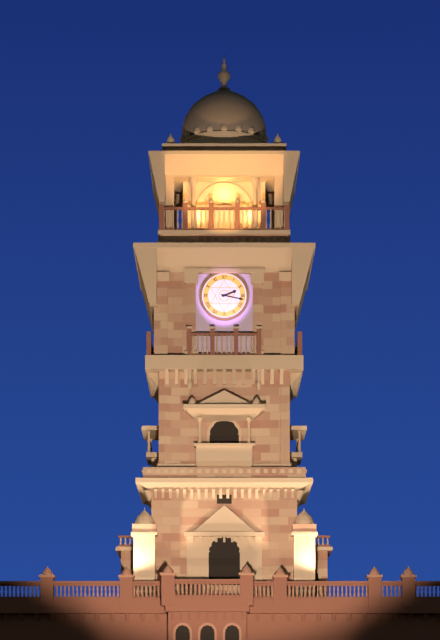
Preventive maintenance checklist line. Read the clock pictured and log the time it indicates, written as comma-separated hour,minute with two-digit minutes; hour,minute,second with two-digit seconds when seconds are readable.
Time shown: 2,17
